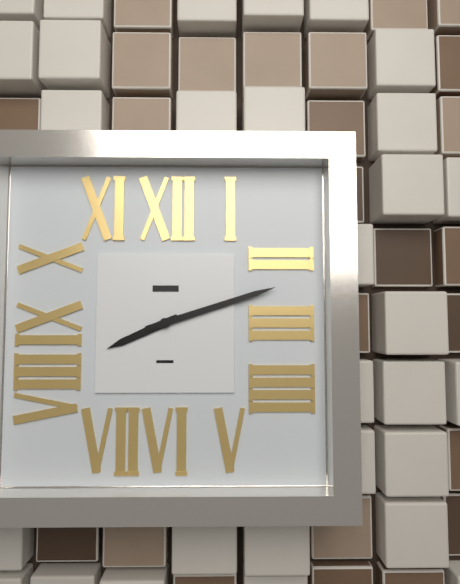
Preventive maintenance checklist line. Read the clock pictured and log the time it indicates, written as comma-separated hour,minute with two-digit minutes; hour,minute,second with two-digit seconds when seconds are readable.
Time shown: 8,12
